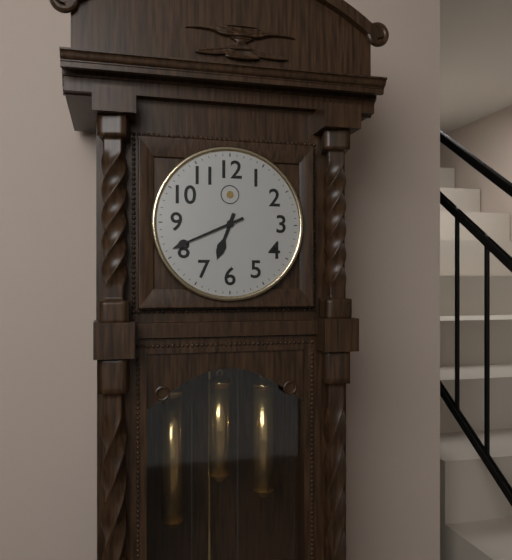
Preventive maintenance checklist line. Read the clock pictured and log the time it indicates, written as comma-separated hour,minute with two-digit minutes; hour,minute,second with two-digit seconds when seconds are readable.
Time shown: 6,41
